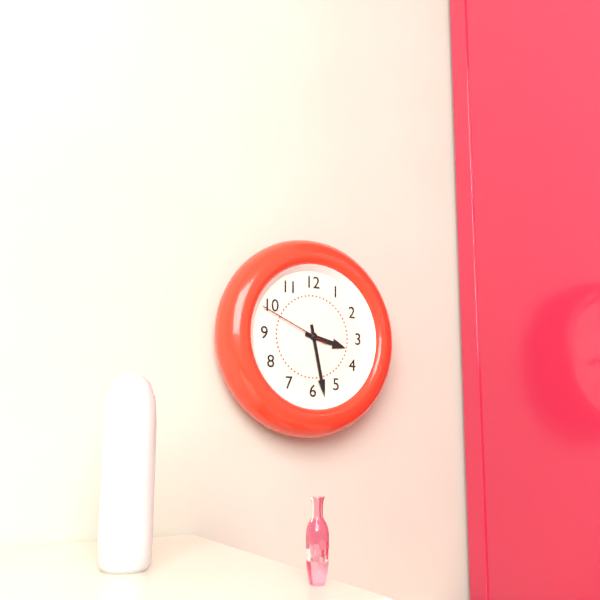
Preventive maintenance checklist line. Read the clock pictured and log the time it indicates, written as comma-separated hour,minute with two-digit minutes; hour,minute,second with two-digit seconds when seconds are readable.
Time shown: 3,28,49
